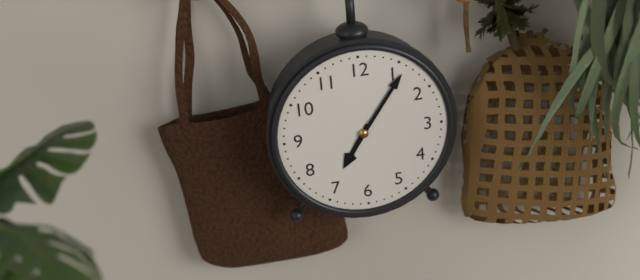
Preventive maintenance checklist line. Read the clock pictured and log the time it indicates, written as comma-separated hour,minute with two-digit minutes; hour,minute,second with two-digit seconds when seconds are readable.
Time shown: 7,06
